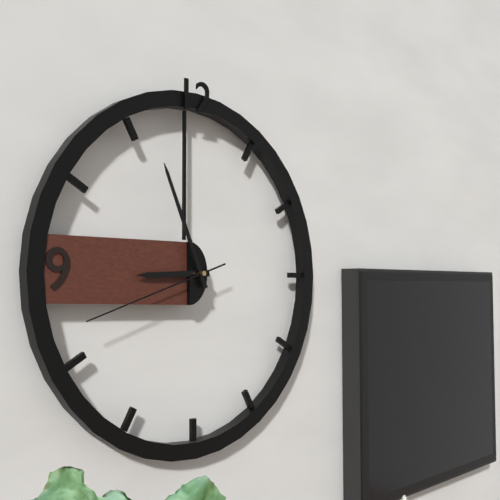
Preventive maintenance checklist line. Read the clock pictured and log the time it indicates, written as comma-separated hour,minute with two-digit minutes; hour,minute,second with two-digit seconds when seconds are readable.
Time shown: 8,56,42
